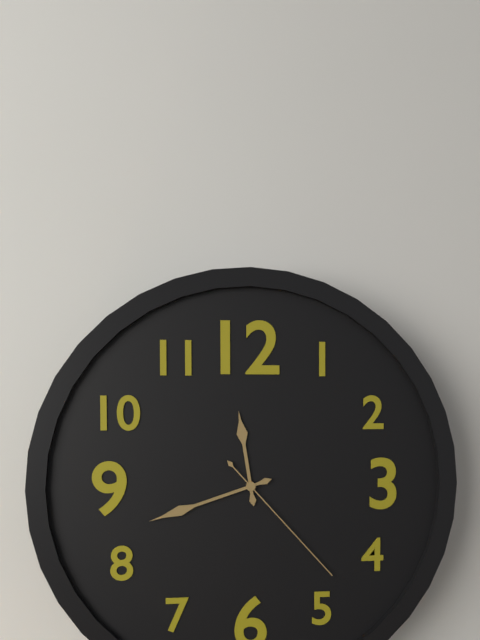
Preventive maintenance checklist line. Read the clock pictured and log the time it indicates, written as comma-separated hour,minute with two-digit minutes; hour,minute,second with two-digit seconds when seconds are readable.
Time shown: 11,42,23
